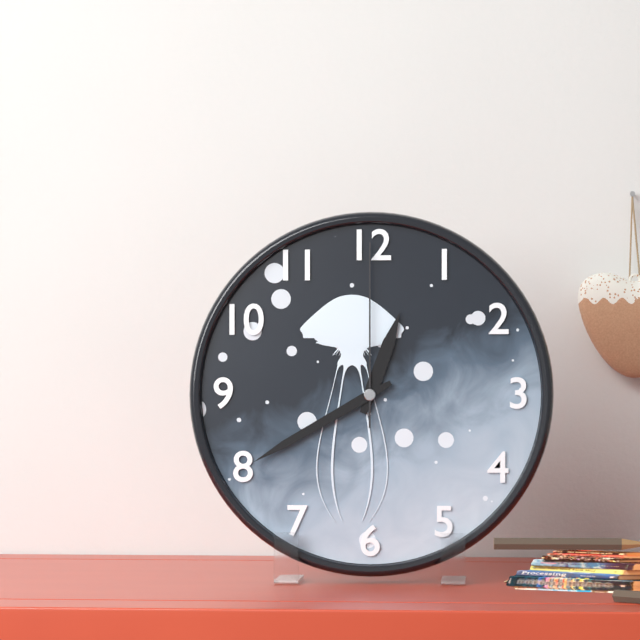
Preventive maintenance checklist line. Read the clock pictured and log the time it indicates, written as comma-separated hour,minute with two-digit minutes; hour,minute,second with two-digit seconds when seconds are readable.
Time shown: 12,40,00
